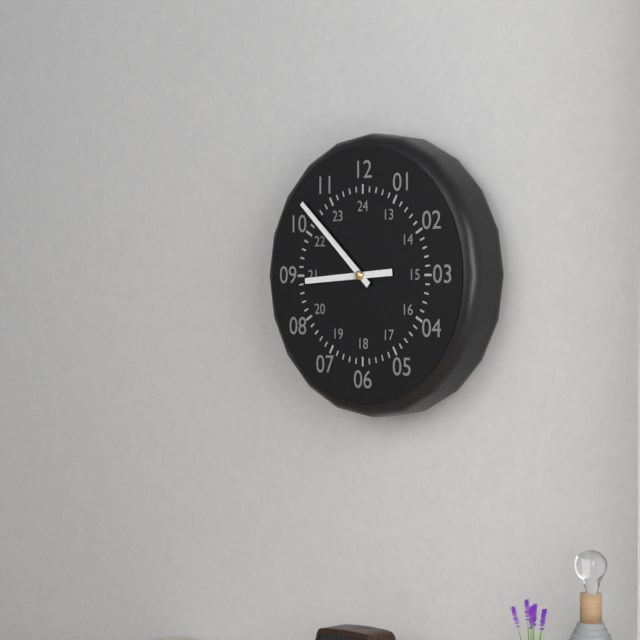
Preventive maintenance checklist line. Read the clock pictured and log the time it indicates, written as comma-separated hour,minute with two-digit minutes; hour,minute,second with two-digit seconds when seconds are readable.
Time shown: 8,52
